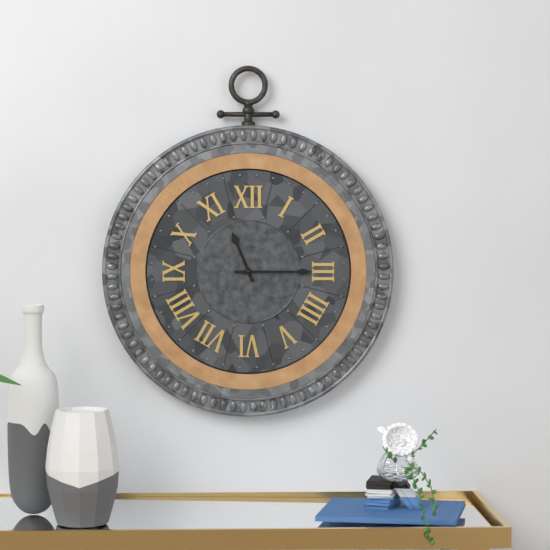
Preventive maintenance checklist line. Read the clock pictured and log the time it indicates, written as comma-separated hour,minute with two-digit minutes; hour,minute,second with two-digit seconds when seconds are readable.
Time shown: 11,15
